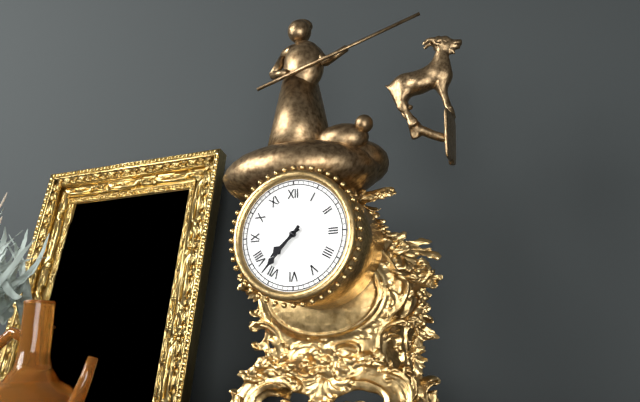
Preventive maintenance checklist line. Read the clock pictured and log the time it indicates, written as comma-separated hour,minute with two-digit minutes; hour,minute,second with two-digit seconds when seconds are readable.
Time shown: 7,37
